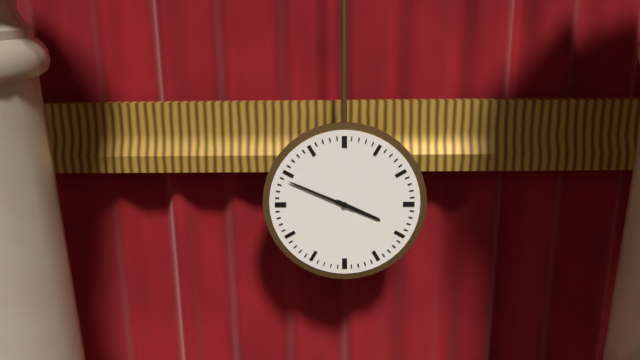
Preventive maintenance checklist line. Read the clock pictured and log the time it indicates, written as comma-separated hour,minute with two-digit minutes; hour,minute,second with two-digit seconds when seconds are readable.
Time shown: 3,49
